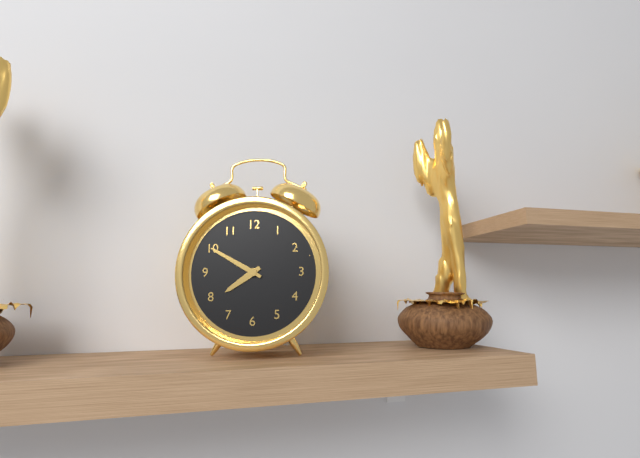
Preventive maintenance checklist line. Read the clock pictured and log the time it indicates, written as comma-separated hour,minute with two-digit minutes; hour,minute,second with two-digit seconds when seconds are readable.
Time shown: 7,50
